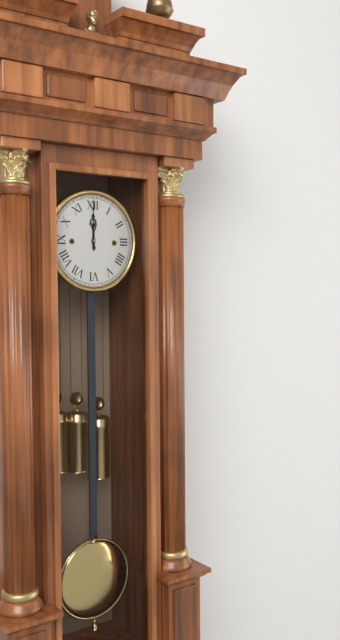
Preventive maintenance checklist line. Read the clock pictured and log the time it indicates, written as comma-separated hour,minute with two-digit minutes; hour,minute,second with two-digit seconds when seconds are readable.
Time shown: 12,00
